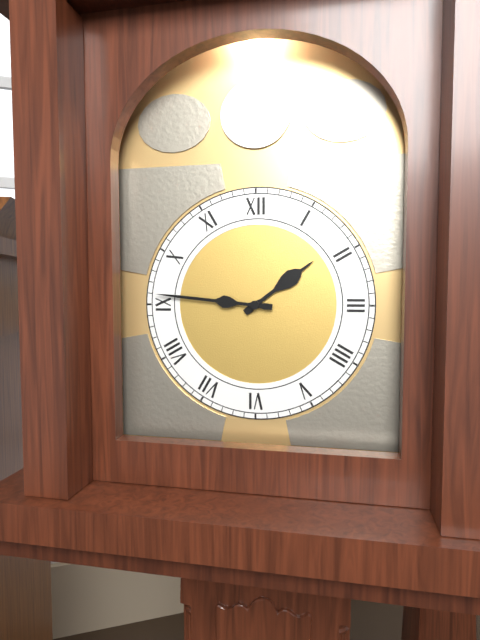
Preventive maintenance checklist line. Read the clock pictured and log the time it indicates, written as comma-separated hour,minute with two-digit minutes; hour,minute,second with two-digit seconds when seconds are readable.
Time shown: 1,46
